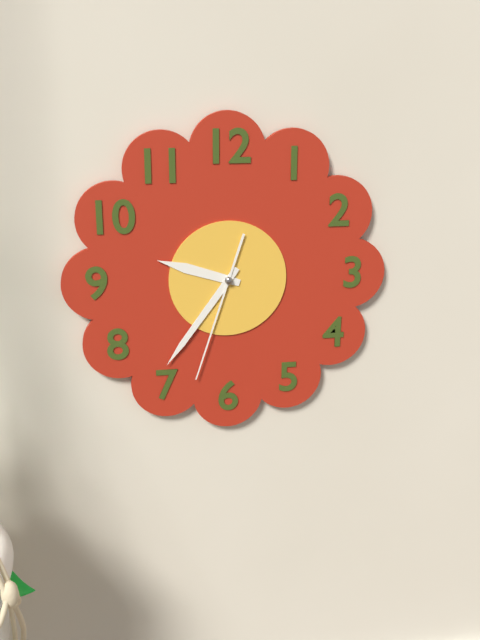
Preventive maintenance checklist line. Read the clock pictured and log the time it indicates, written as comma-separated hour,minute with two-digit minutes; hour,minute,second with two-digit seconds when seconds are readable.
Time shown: 9,36,33
